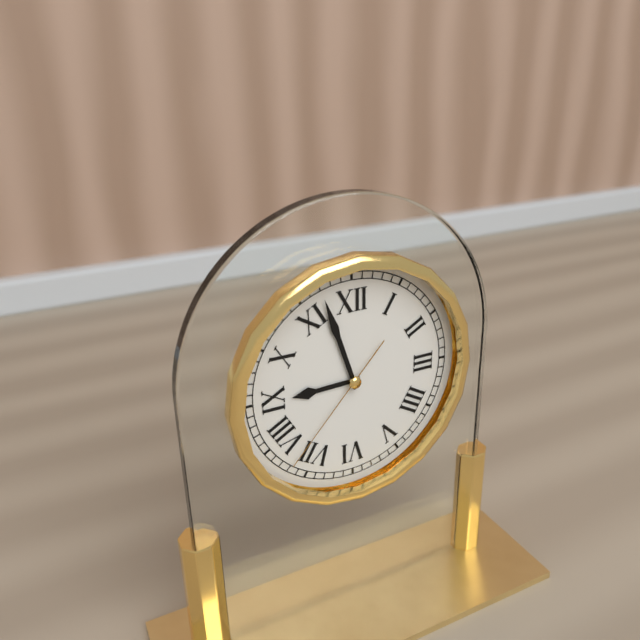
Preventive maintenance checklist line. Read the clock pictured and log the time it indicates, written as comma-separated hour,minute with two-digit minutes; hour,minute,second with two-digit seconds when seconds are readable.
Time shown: 8,57,37
